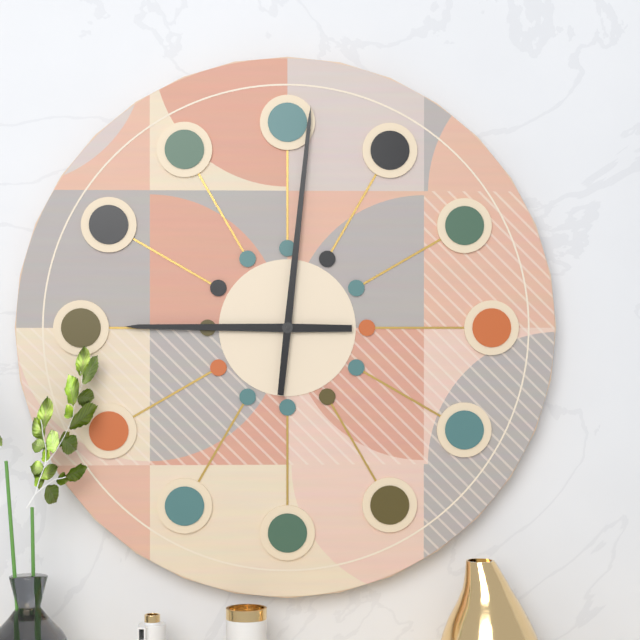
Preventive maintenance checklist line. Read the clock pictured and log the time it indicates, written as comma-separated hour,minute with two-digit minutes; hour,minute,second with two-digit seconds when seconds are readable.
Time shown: 9,01
